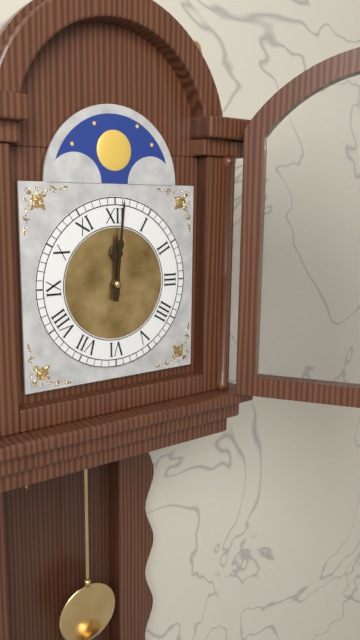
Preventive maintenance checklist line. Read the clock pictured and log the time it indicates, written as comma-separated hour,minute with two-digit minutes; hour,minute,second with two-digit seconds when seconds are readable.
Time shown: 12,01
